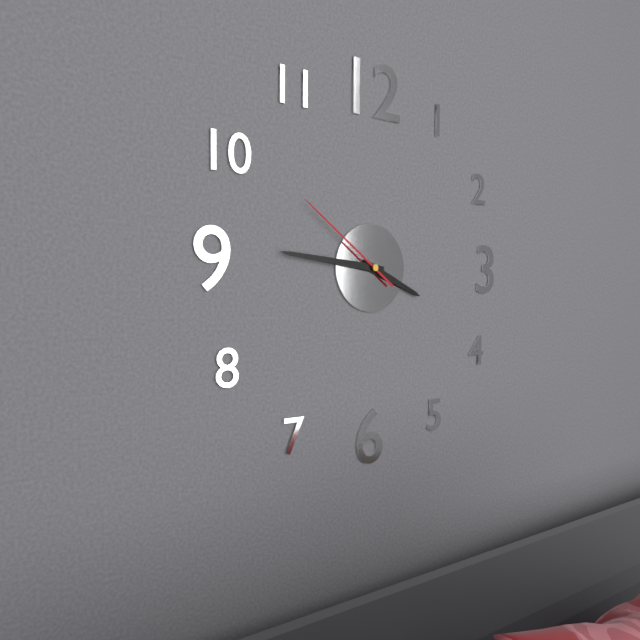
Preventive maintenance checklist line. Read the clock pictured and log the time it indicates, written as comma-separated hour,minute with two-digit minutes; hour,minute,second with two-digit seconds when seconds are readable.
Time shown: 3,46,51
